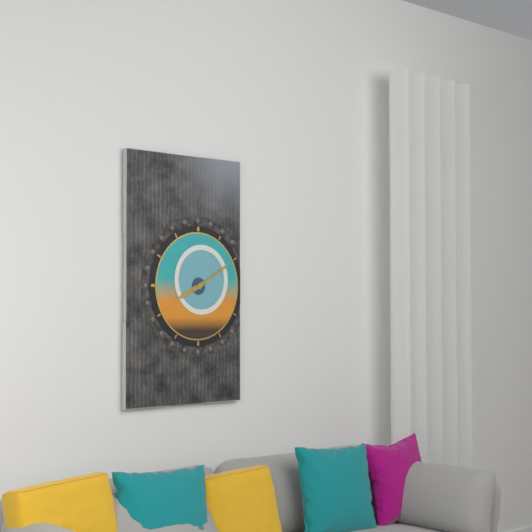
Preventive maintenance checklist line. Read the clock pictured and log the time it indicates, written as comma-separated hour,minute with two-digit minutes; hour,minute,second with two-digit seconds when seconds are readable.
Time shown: 8,10
